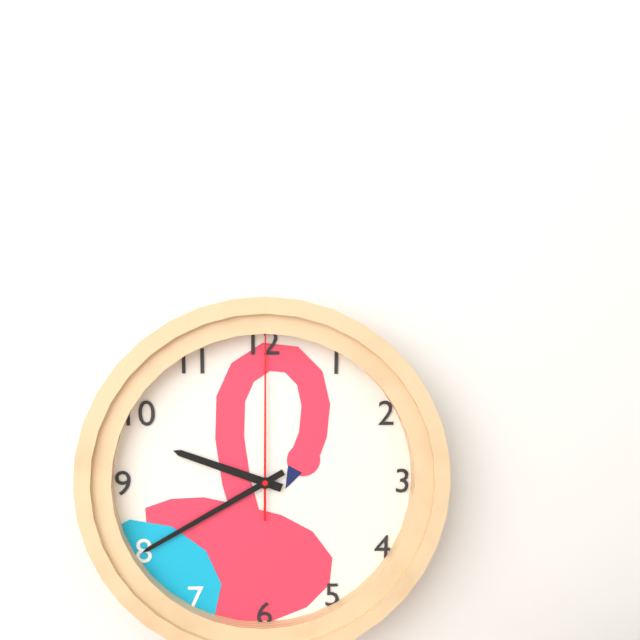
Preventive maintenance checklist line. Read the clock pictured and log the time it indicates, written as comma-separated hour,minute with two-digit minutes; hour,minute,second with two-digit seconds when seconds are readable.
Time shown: 9,40,00
